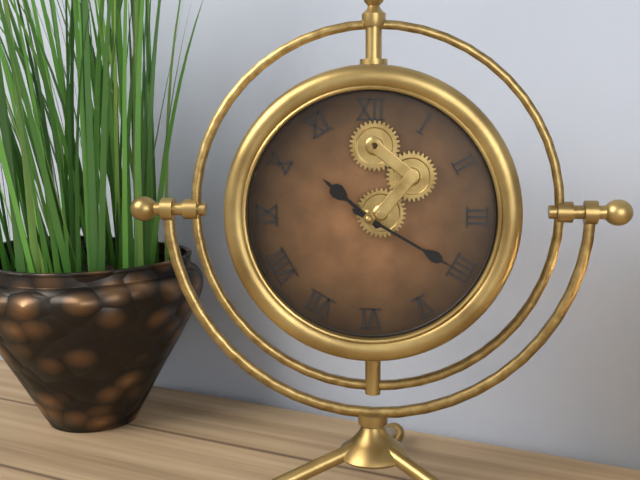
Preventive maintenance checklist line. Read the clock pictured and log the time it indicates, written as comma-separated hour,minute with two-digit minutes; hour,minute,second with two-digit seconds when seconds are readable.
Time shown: 10,20
